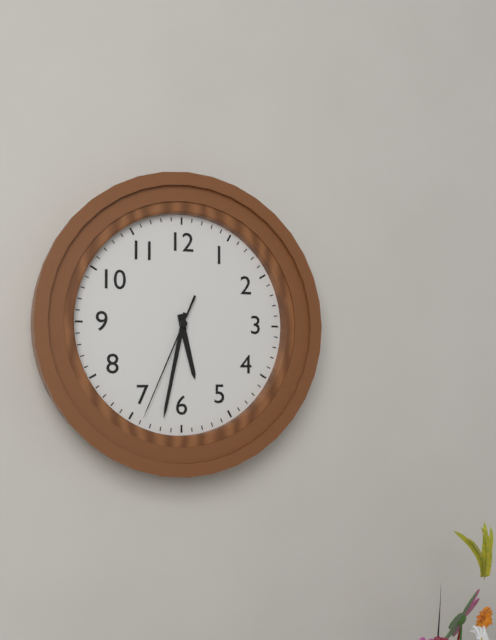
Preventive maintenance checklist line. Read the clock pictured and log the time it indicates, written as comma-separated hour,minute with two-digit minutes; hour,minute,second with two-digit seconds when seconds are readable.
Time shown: 5,32,34
